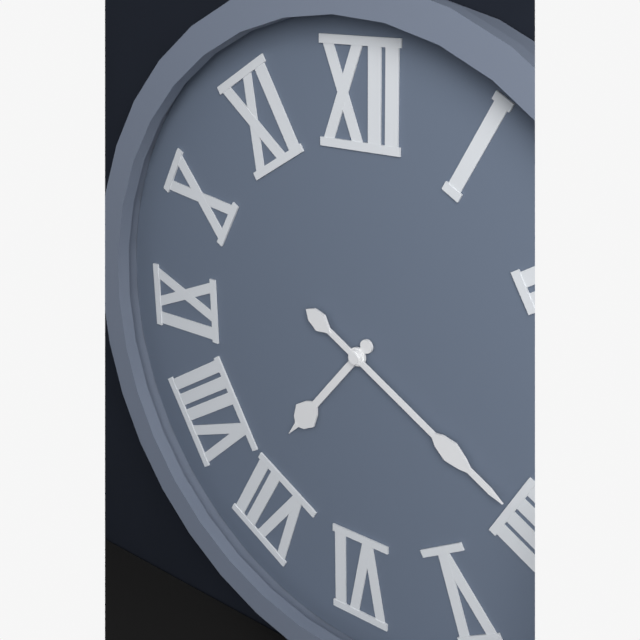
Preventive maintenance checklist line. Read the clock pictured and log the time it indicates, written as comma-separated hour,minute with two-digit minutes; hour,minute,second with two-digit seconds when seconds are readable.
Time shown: 7,20
